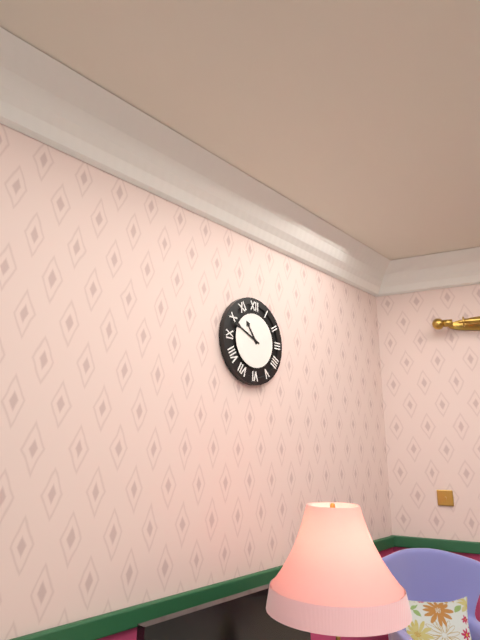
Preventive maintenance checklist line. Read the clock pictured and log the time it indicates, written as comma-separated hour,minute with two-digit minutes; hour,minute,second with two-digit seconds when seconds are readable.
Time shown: 10,49
